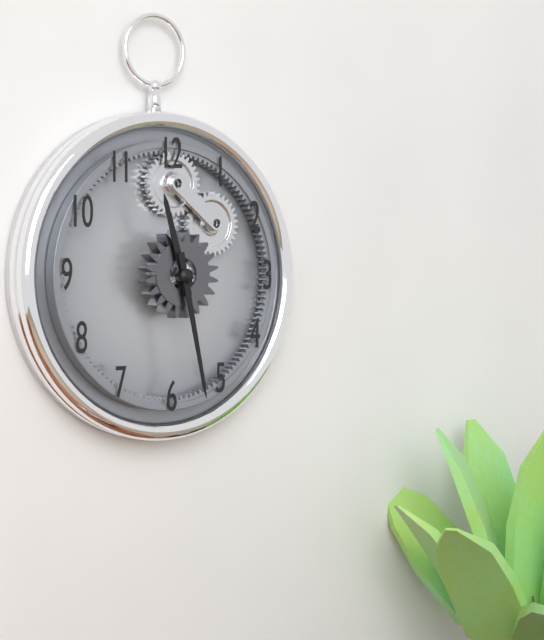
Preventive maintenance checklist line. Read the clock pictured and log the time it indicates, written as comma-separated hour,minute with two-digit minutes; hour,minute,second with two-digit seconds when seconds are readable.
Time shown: 11,28
